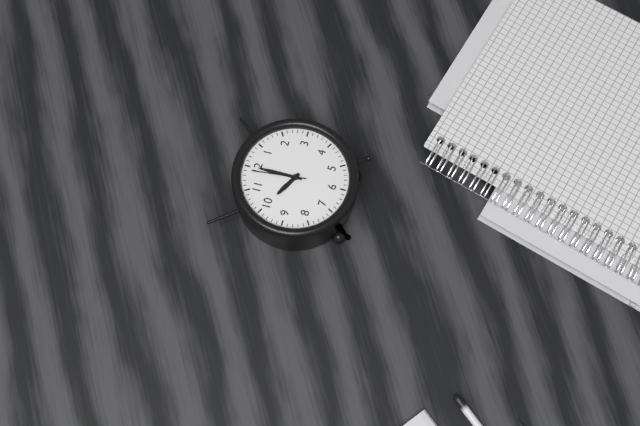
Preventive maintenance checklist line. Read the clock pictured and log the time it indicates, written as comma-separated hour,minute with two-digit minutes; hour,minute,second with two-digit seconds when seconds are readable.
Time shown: 10,00,59
